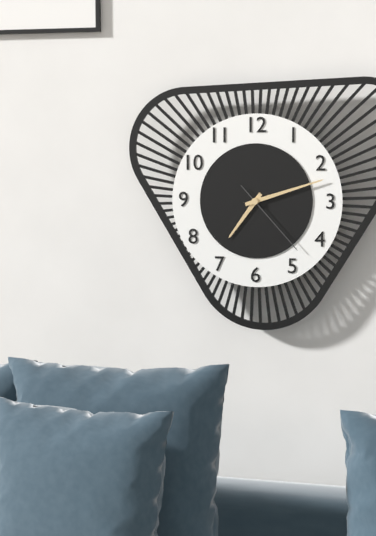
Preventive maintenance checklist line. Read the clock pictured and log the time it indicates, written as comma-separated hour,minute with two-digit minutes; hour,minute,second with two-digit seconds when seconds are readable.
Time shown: 7,12,23
